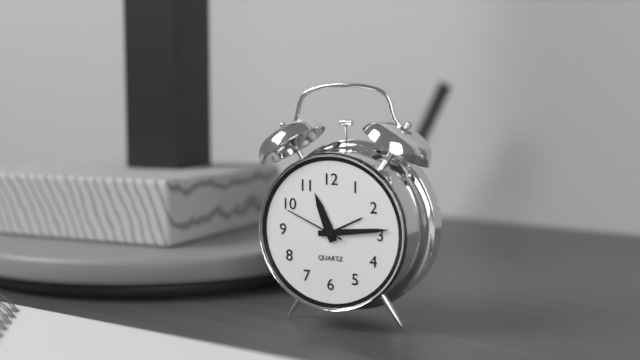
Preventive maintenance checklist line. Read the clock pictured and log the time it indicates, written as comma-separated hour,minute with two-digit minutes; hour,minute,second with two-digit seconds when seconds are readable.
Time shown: 11,14,49
